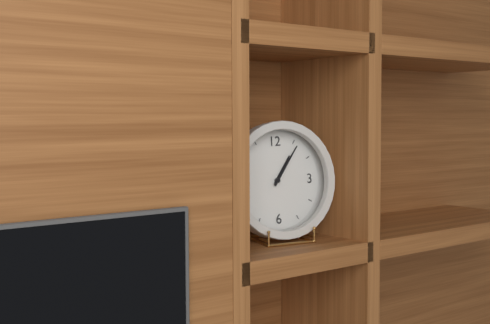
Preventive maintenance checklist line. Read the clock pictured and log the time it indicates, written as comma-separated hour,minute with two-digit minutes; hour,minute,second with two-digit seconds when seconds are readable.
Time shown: 1,06
